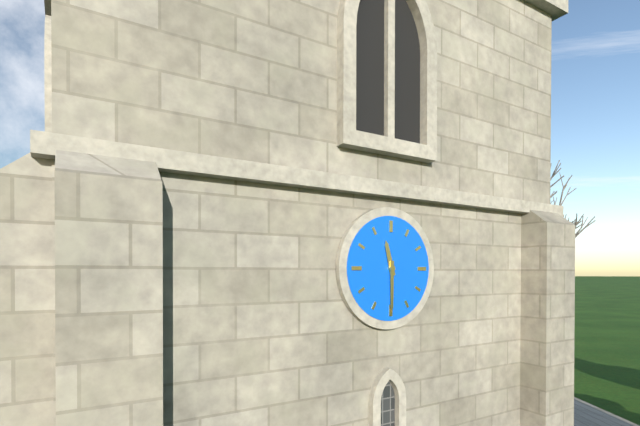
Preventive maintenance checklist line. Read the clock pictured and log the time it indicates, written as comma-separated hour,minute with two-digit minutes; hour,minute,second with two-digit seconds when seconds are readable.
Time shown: 11,30
